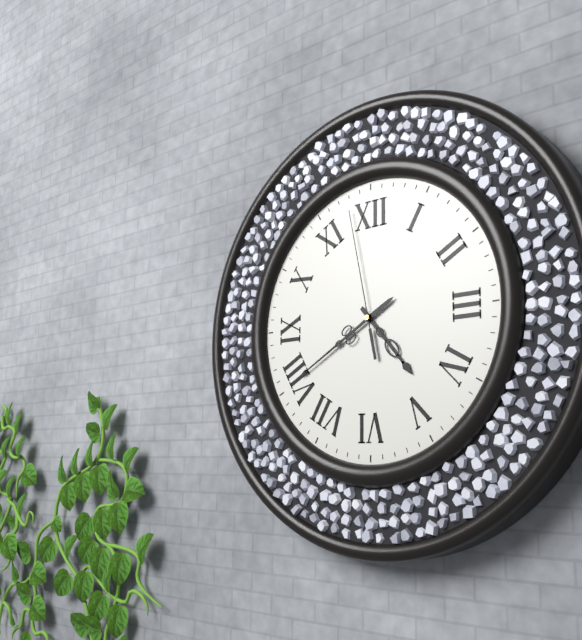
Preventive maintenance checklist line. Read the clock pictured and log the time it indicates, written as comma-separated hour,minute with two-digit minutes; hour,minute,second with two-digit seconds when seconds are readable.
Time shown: 4,40,58
